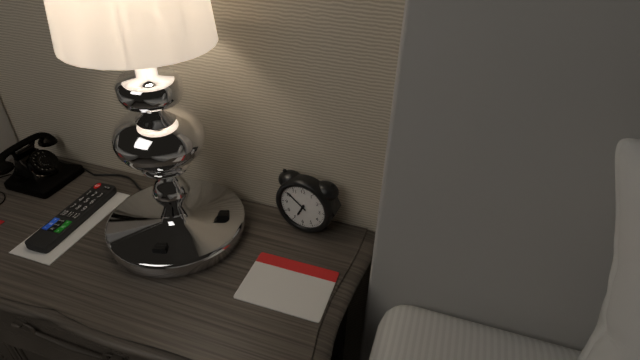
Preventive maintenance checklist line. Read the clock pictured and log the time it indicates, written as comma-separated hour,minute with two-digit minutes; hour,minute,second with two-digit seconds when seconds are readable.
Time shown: 6,51
